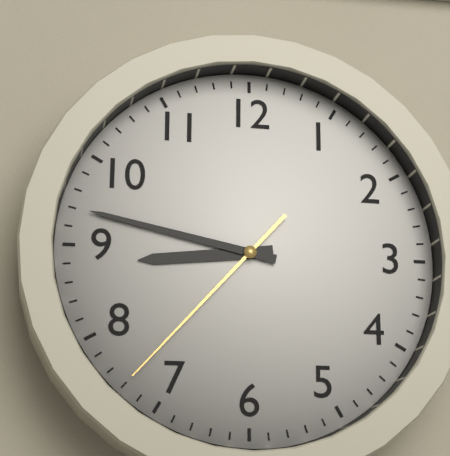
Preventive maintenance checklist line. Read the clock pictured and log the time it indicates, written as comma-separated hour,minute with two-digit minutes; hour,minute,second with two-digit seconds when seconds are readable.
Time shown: 8,47,37
